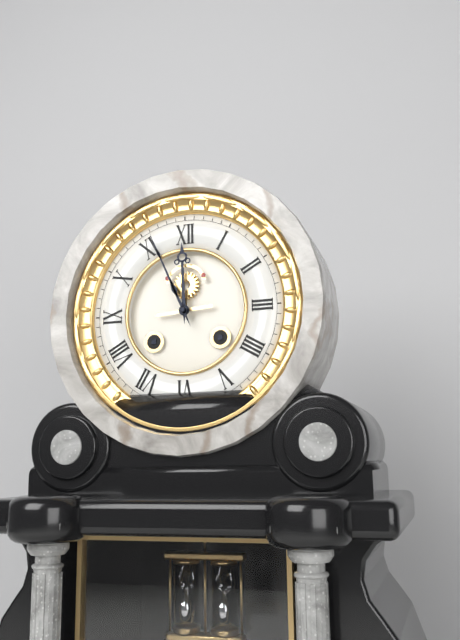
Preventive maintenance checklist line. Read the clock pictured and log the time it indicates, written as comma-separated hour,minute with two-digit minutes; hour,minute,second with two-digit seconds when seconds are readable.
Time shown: 11,56
